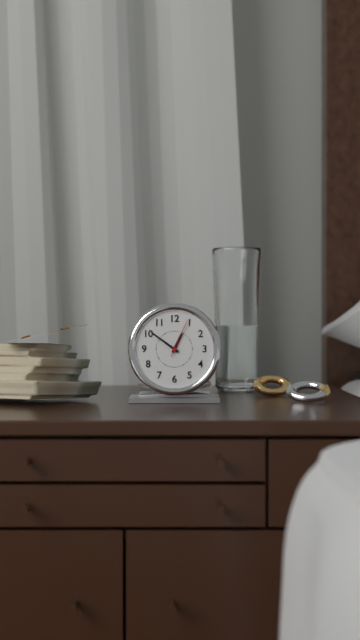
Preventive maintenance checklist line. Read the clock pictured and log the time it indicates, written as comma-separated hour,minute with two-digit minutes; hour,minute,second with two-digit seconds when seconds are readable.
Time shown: 12,51
